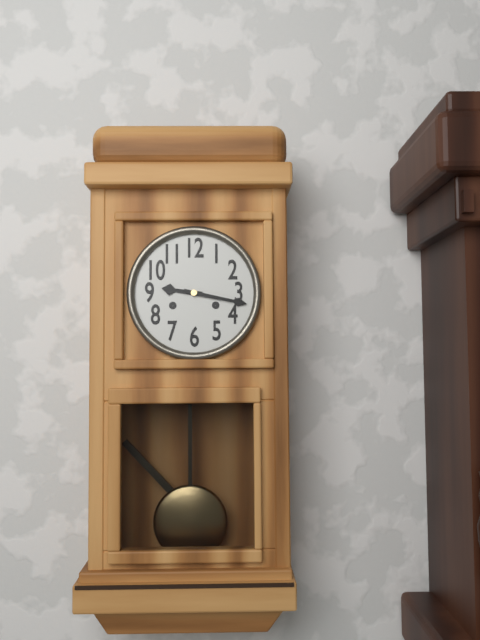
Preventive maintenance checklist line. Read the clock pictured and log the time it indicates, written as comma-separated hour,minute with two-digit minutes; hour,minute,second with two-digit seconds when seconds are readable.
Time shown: 9,17
